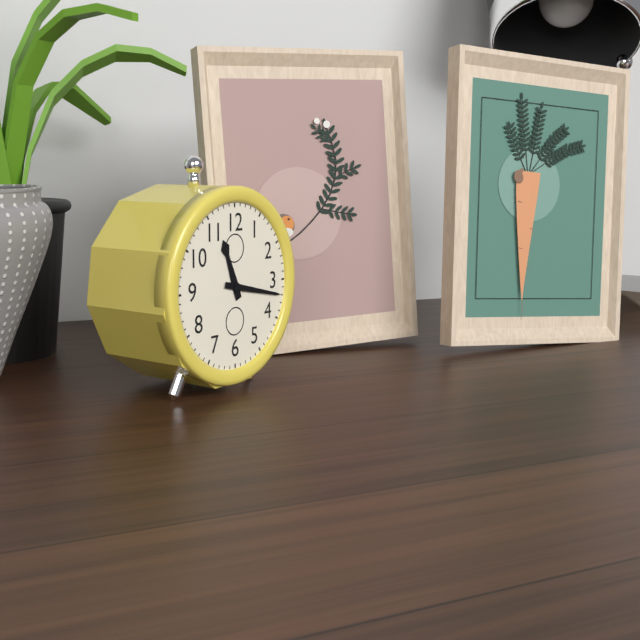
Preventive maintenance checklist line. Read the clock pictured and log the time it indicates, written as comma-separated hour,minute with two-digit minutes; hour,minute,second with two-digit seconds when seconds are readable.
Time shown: 11,17
